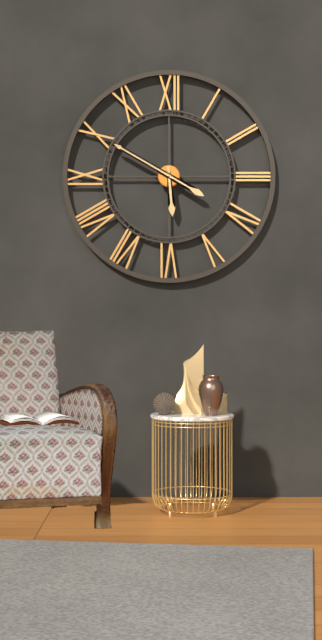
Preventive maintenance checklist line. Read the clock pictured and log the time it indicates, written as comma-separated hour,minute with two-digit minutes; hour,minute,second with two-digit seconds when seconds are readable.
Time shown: 5,50
